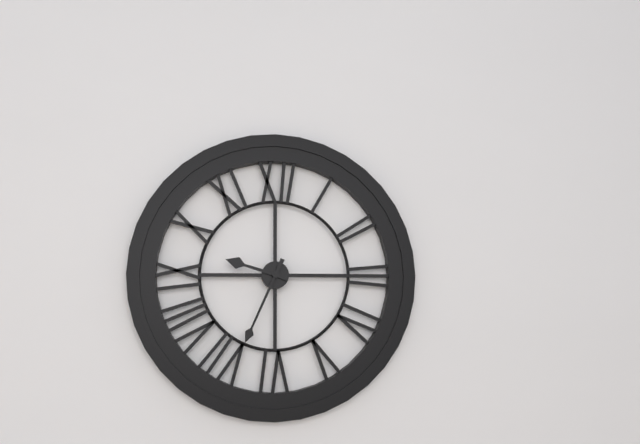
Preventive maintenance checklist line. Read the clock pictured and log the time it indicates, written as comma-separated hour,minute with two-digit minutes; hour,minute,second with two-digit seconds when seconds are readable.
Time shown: 9,34
